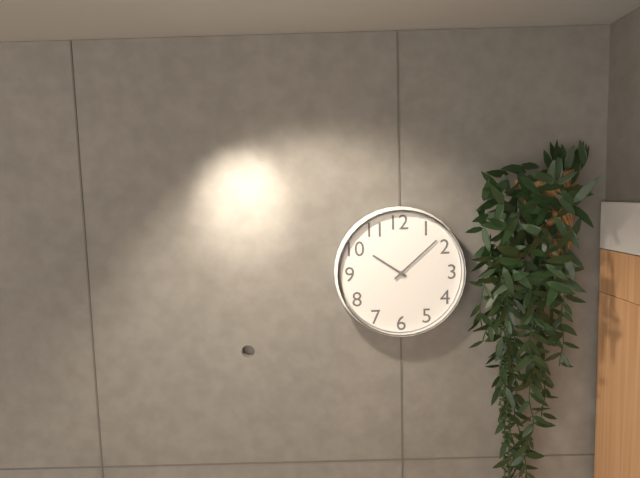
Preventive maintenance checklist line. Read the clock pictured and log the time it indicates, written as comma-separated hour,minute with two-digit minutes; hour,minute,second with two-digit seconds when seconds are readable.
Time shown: 10,08
